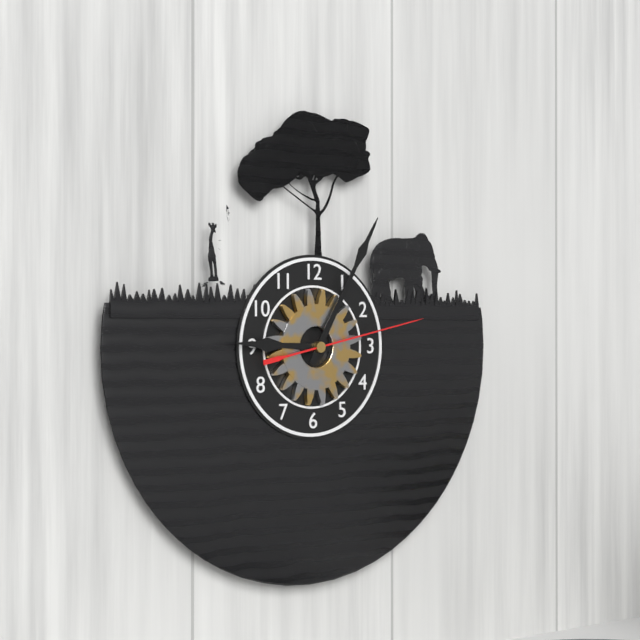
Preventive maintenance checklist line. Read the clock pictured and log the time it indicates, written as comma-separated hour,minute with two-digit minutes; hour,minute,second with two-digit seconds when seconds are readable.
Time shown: 9,05,13
